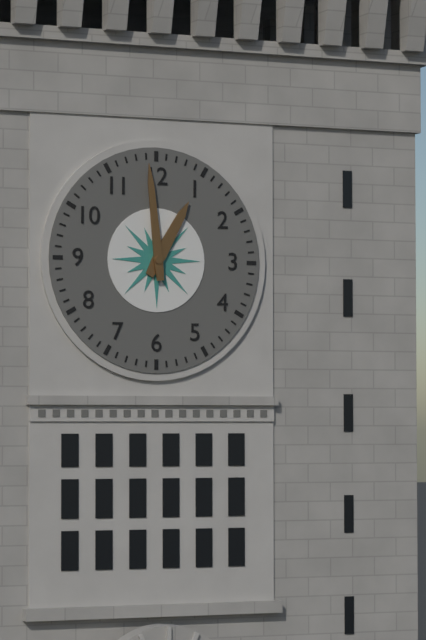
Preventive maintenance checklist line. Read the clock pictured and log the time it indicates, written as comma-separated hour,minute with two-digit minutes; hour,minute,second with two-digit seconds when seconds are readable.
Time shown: 12,59
